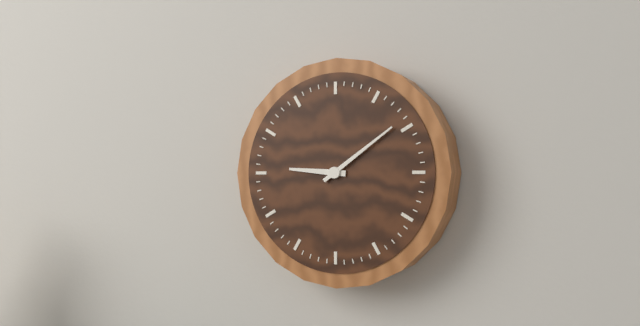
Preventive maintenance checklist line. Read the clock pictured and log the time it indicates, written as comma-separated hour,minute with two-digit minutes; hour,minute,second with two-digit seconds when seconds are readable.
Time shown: 9,09
